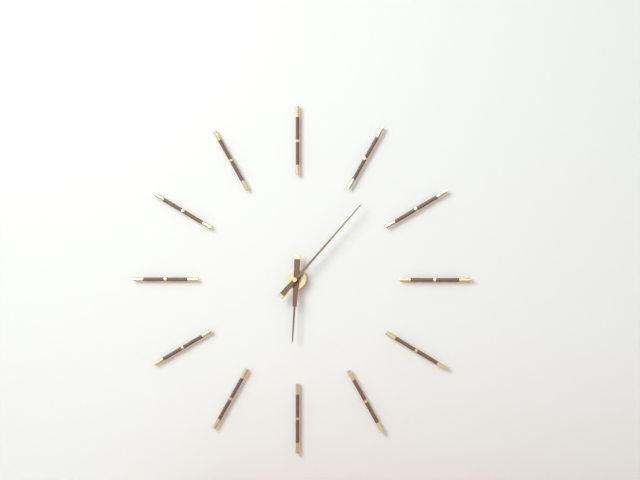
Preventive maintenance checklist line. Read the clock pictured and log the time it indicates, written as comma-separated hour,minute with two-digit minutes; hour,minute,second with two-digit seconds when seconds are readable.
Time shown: 6,07
